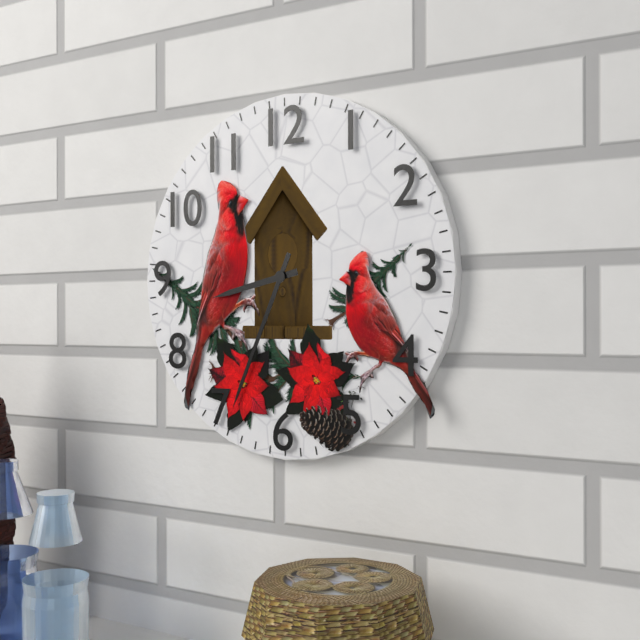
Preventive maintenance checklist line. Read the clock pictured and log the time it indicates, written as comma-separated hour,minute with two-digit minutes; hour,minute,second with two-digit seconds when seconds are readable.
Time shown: 8,34
